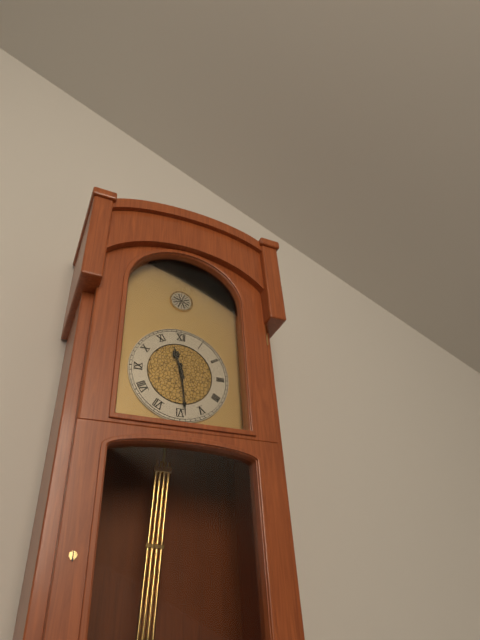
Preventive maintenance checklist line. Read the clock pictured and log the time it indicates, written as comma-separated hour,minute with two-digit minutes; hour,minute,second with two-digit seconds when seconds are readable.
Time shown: 11,29
